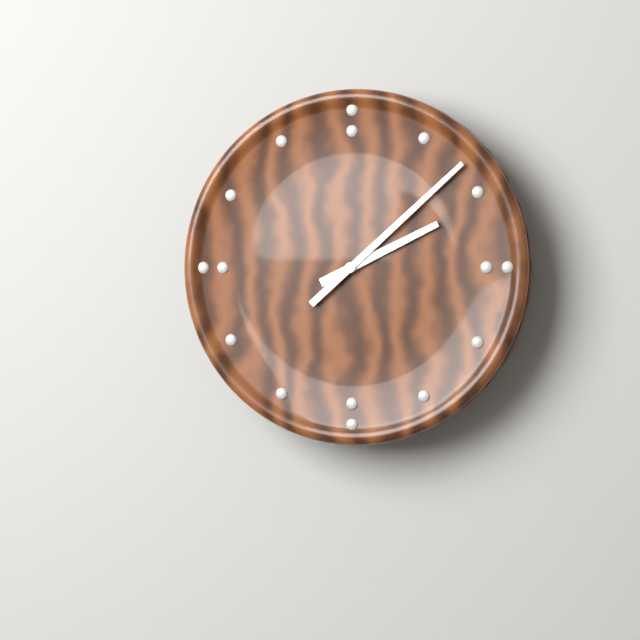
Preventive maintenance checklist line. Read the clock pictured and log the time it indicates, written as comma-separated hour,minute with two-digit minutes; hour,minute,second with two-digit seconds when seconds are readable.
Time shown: 2,08
